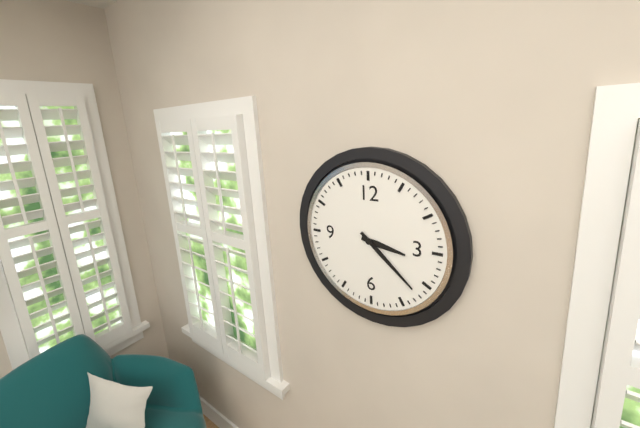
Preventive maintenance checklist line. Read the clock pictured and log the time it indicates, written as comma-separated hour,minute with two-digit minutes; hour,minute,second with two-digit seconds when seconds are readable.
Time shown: 3,22
